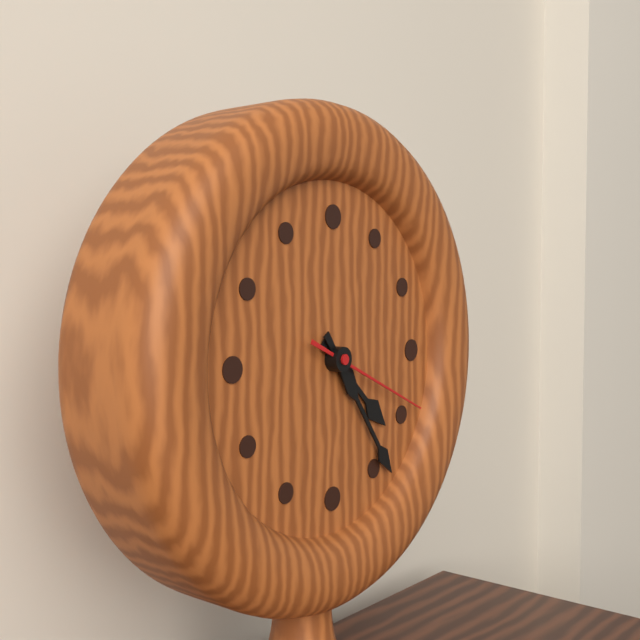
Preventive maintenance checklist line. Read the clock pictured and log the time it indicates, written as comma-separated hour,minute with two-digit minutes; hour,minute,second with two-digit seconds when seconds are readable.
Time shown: 4,24,19
